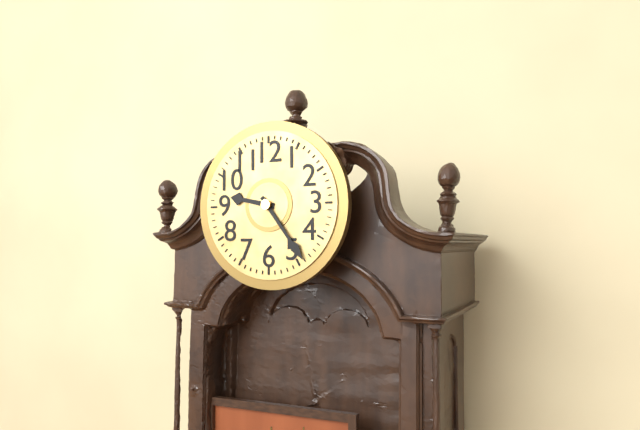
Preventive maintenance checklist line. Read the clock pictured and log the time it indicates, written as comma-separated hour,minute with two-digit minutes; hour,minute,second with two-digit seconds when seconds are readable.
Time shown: 9,24
